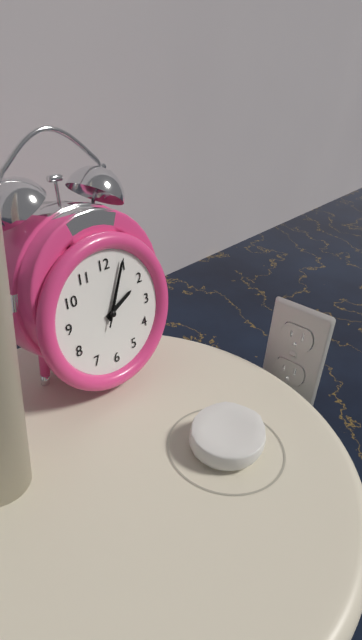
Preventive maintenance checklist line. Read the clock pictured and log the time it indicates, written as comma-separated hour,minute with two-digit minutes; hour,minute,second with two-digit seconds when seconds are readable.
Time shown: 2,04,04
